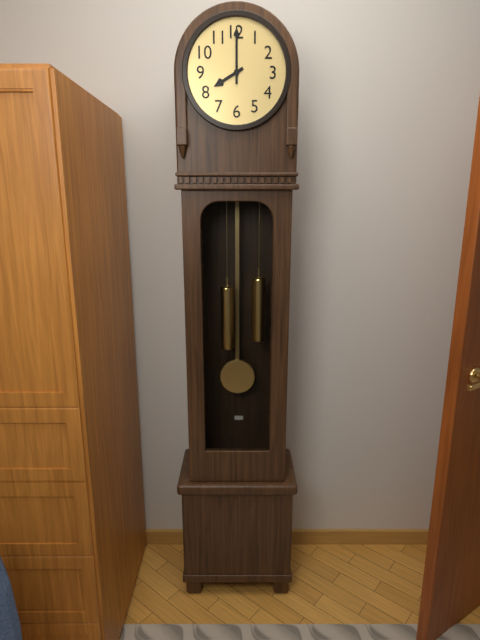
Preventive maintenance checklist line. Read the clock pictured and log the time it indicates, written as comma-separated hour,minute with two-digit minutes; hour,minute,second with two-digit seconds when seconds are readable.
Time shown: 8,00
